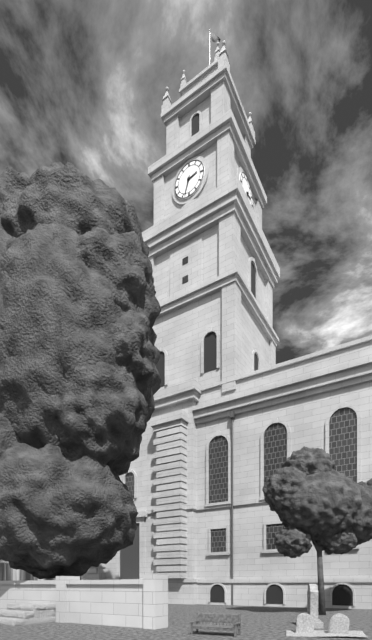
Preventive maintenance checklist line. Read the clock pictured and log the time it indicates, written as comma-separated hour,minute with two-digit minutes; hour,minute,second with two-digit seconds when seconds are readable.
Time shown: 2,33
